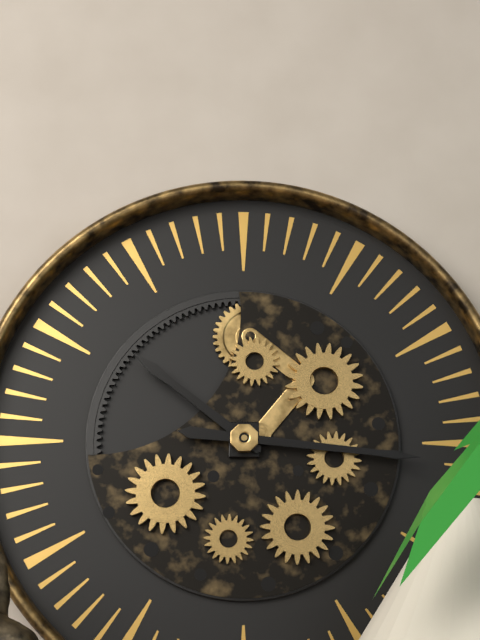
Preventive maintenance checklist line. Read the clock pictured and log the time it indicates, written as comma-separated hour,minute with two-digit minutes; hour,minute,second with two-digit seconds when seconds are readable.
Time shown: 10,16
